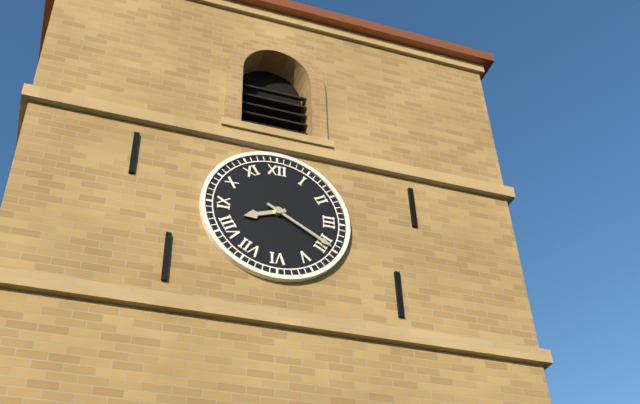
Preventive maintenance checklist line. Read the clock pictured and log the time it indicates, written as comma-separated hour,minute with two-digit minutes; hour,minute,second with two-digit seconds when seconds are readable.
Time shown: 8,20
